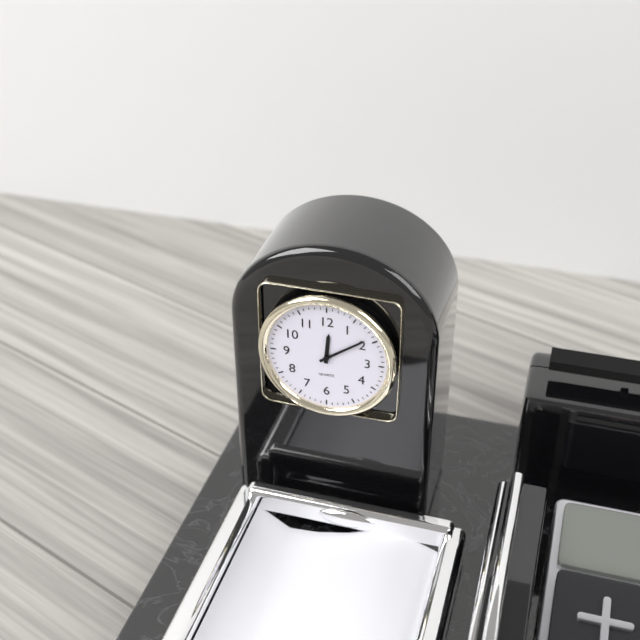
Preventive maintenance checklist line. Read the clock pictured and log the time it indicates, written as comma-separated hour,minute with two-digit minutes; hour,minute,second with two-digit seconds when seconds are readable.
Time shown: 12,09
